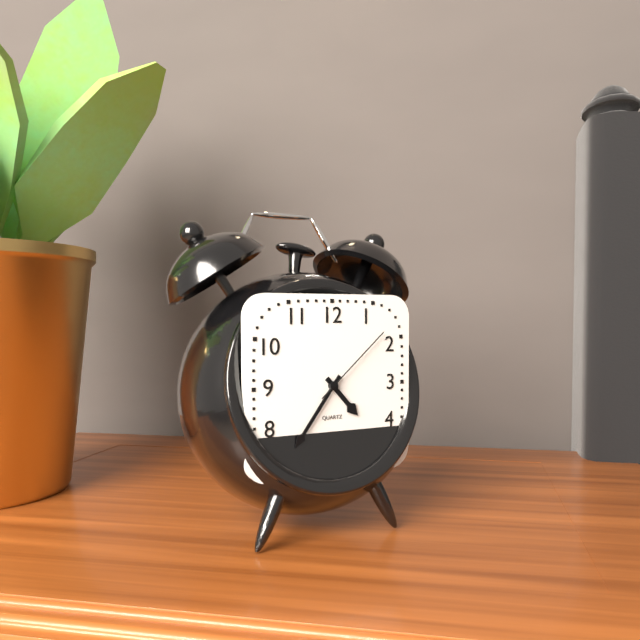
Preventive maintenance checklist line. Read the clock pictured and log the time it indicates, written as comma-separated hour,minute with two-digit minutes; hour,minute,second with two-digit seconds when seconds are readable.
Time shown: 4,36,08
